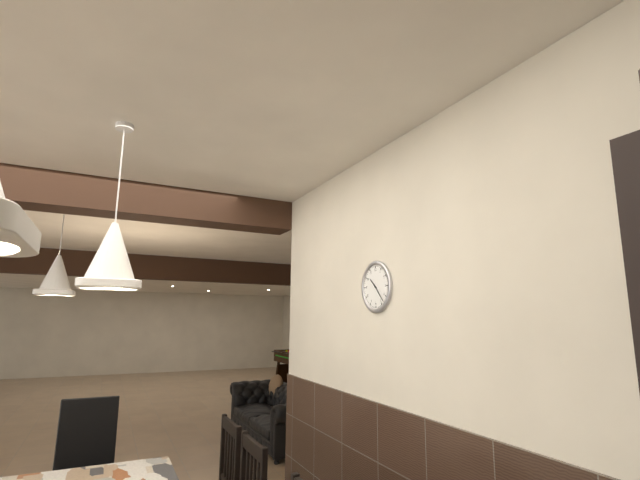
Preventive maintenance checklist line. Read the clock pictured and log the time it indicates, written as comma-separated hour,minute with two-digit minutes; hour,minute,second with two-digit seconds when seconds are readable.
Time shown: 10,23
